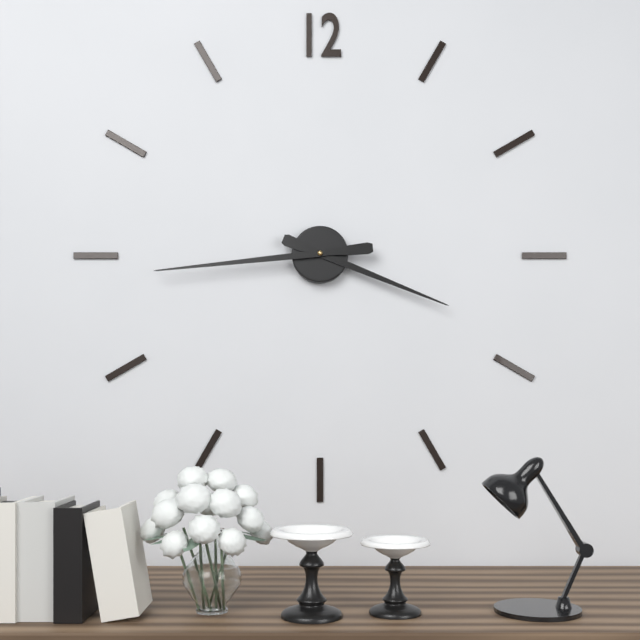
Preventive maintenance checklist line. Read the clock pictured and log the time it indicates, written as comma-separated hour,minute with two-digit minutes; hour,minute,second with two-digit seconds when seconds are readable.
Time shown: 3,44
